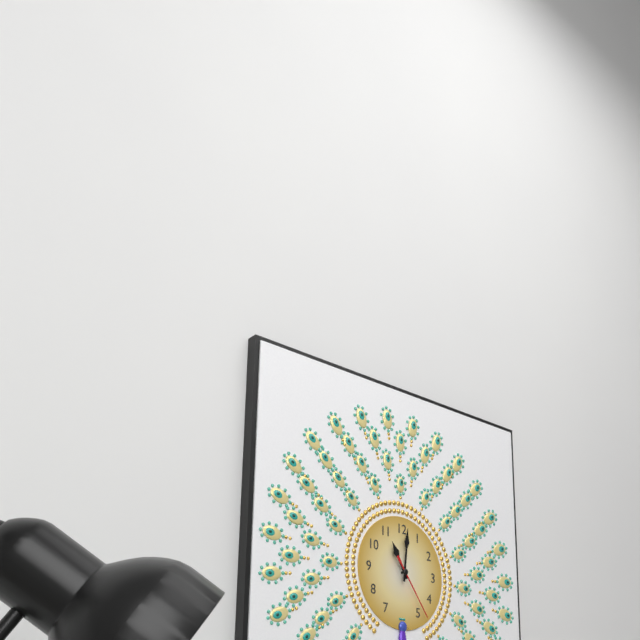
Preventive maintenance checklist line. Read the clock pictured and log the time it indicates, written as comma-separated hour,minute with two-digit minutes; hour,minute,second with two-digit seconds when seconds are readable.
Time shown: 11,01,24
